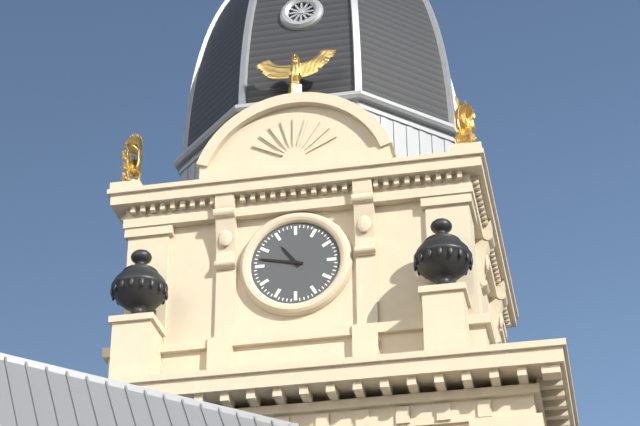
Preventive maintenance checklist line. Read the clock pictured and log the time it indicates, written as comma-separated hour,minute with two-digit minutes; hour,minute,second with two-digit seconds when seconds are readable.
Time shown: 10,47
